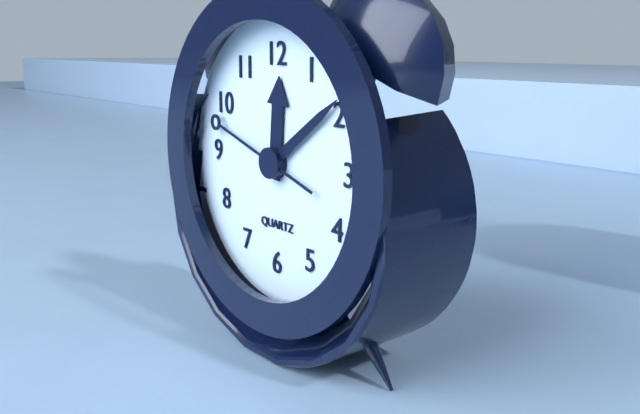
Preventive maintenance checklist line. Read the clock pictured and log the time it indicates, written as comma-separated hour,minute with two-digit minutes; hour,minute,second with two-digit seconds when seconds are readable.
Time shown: 12,09,48
